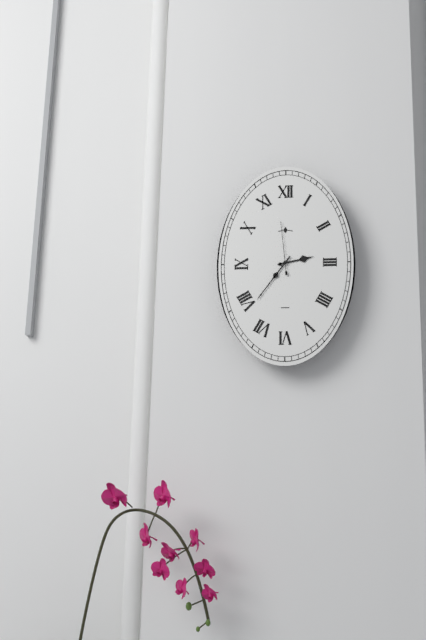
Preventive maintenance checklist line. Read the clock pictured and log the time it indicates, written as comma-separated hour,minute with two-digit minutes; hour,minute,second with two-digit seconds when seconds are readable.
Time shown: 2,36,59
